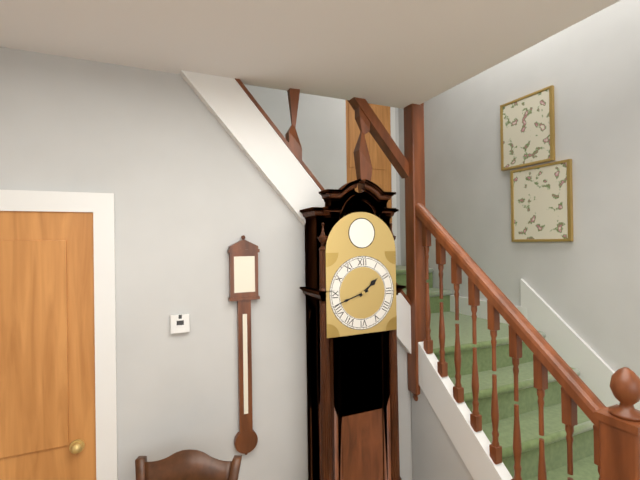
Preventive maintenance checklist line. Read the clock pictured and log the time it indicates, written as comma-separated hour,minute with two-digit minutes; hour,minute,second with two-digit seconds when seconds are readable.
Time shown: 1,42
